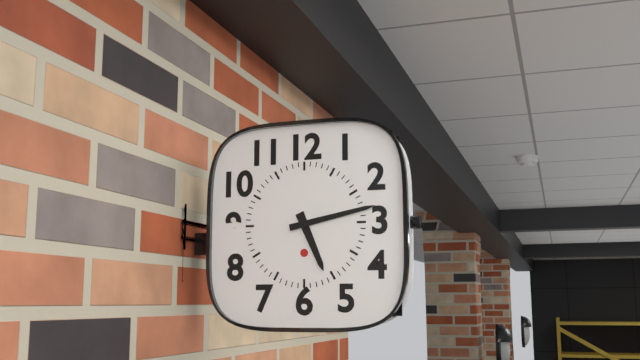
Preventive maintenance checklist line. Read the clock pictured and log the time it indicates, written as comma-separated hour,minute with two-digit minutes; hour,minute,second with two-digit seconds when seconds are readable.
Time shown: 5,13
